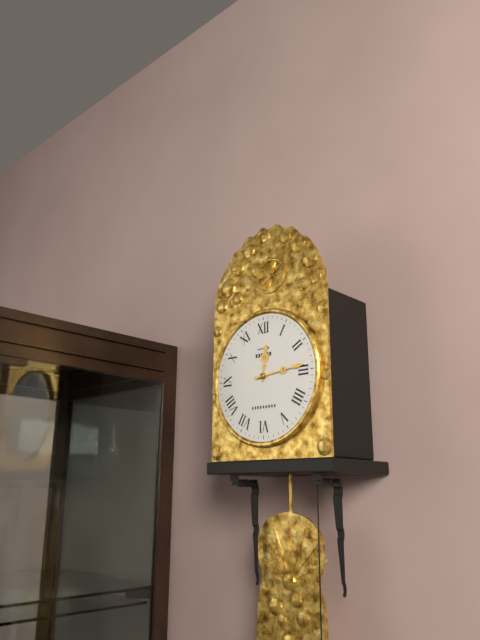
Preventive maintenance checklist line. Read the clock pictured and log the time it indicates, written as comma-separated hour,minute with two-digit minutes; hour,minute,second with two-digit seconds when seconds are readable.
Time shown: 12,14
